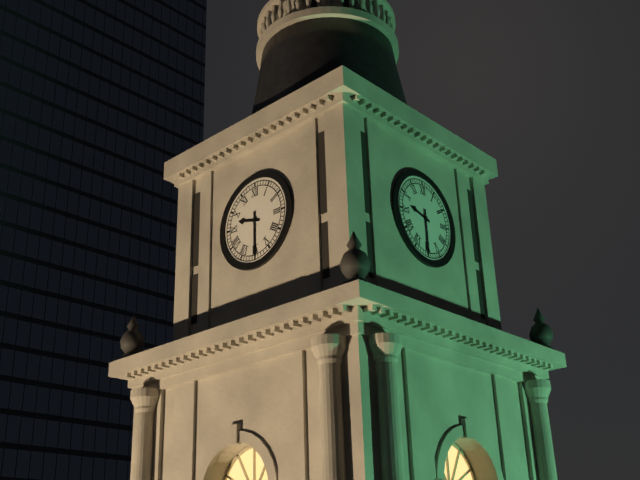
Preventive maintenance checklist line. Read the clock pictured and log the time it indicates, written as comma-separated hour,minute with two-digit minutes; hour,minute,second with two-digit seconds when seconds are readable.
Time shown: 9,30
